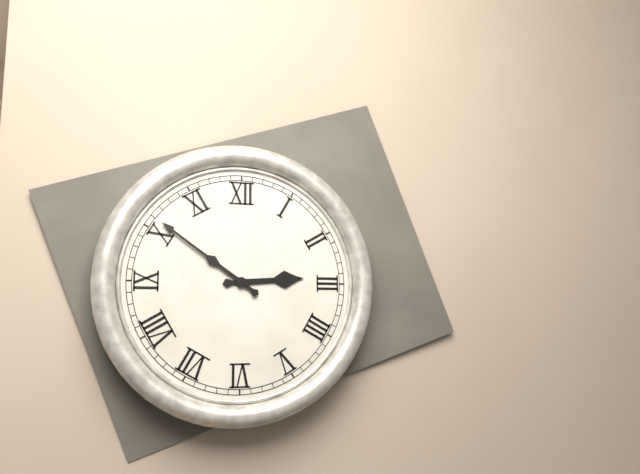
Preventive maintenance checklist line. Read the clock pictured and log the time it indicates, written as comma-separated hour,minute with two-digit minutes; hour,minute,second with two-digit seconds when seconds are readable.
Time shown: 2,51
